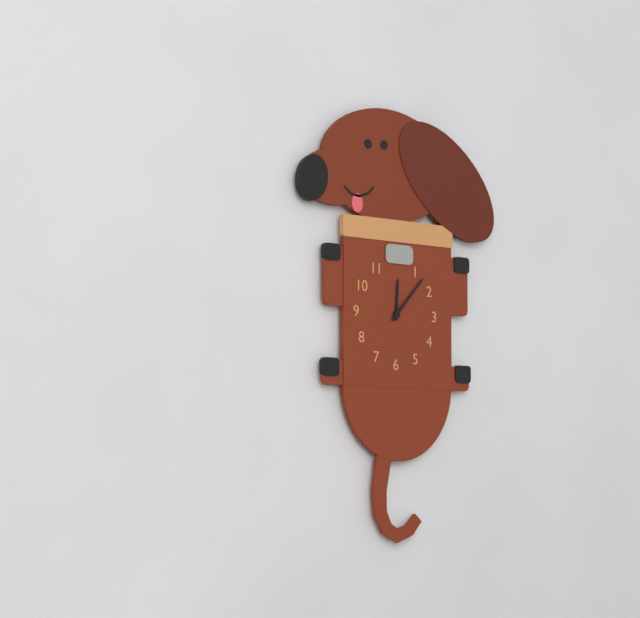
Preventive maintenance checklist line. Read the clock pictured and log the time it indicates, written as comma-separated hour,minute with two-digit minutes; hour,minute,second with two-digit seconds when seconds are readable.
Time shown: 12,07
